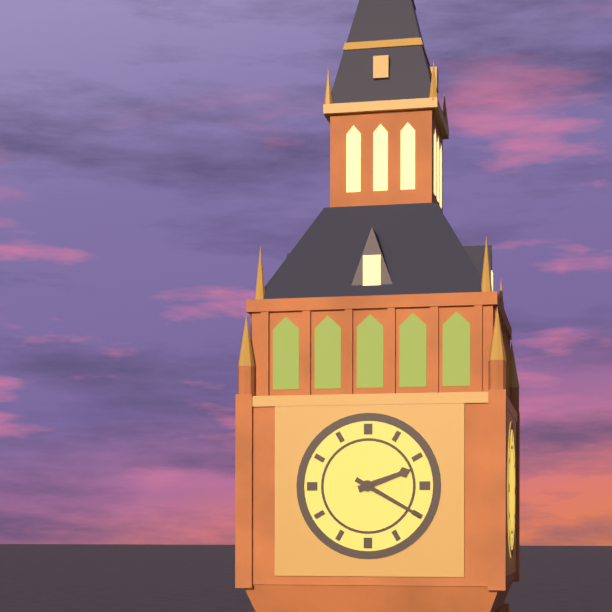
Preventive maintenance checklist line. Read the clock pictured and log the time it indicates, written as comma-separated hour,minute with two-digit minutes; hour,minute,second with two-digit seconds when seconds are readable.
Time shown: 2,20
